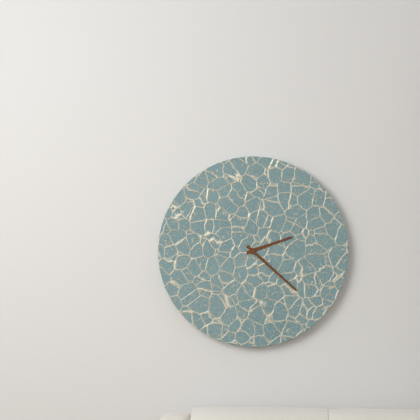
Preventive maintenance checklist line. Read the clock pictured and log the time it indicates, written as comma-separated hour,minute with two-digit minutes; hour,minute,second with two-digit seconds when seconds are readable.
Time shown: 2,22
